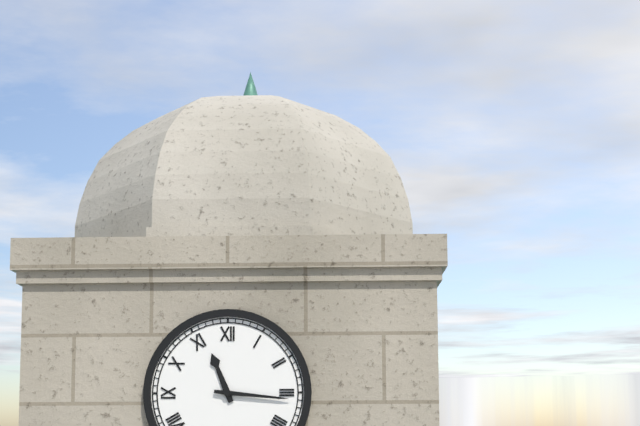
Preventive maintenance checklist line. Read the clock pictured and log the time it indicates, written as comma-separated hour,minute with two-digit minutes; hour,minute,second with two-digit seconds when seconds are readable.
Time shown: 11,16
